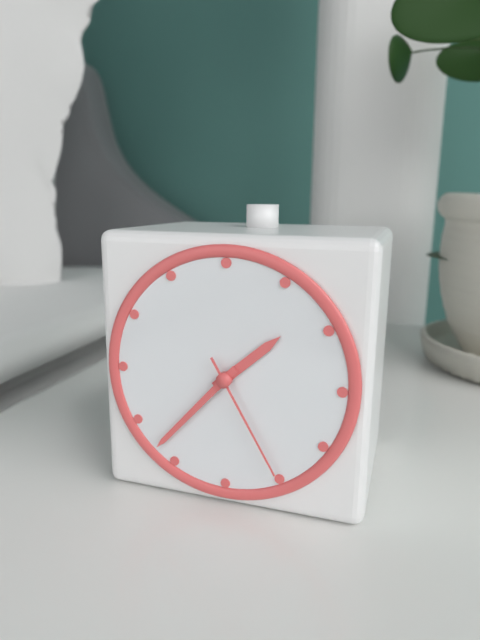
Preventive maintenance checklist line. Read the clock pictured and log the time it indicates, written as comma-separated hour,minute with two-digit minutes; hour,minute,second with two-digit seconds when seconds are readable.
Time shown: 1,37,25
